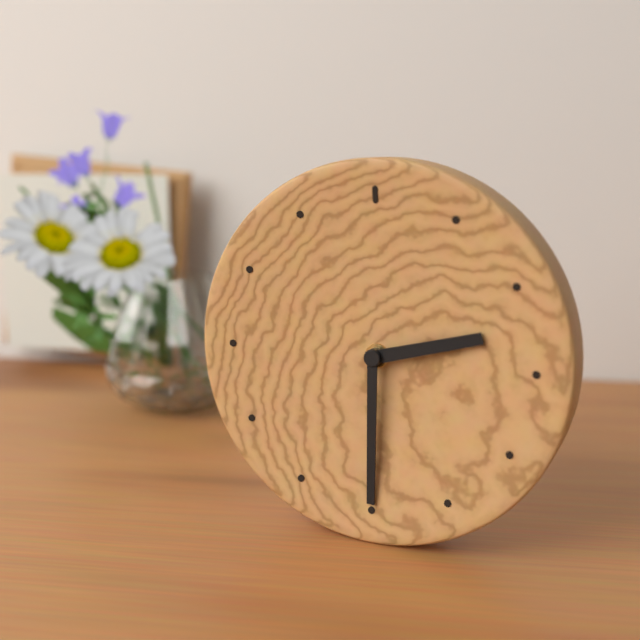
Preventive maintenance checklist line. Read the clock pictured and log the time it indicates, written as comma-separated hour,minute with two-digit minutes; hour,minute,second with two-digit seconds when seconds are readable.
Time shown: 2,30
